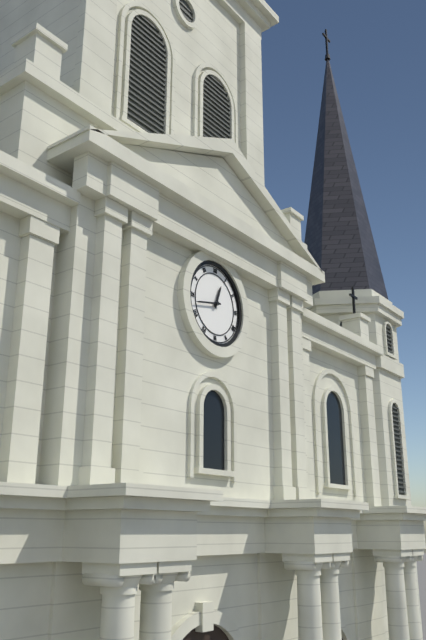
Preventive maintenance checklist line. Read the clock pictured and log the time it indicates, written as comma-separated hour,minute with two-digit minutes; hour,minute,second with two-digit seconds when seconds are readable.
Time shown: 12,43
